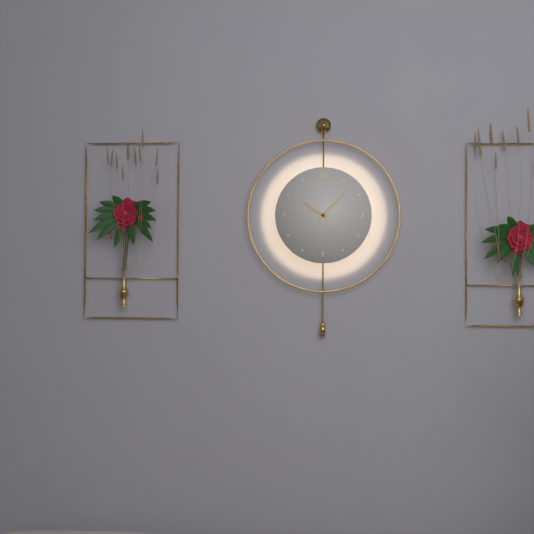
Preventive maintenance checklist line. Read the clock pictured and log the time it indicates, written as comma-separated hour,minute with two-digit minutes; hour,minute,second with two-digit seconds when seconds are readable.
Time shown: 10,07
